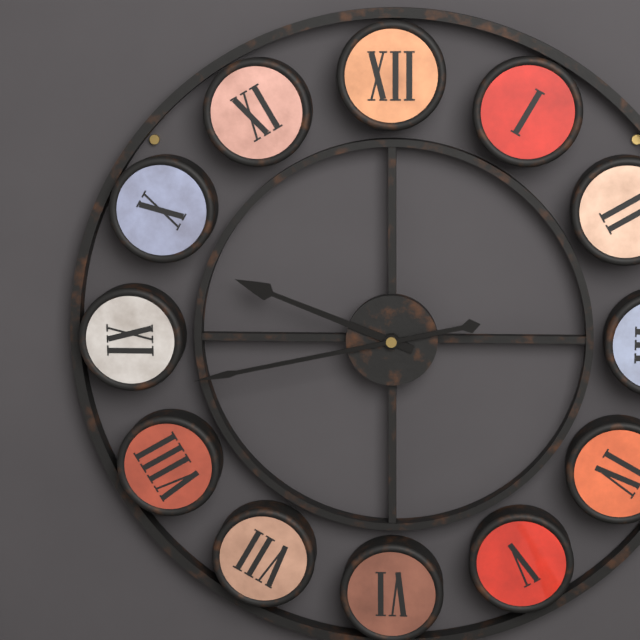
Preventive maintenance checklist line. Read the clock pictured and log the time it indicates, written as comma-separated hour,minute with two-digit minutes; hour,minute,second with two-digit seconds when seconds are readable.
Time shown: 9,43
